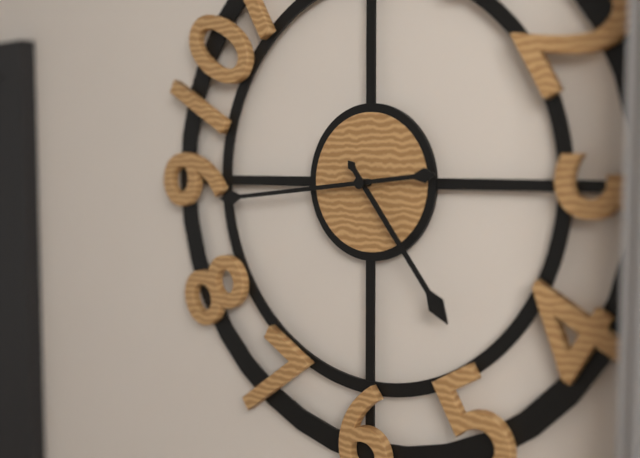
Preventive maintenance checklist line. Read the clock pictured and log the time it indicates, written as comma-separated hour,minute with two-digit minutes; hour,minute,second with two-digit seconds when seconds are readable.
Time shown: 4,44
